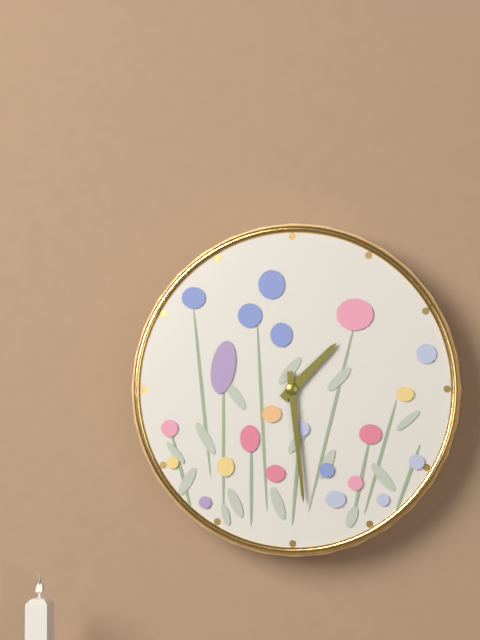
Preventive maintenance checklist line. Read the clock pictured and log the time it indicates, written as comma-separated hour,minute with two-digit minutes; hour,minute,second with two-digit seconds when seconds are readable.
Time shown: 1,29
